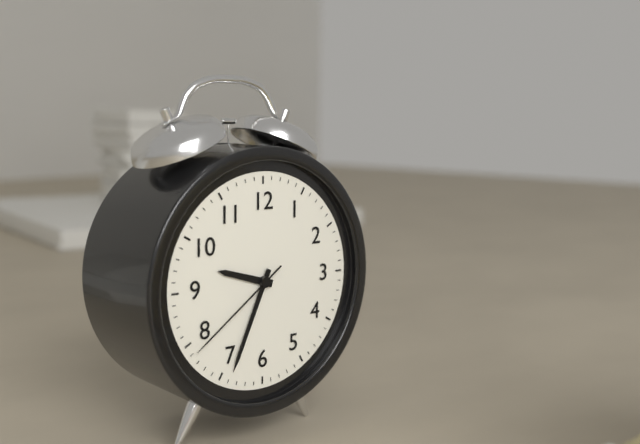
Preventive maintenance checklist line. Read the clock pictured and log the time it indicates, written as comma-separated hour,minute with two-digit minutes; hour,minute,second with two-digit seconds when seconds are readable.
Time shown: 9,34,39
